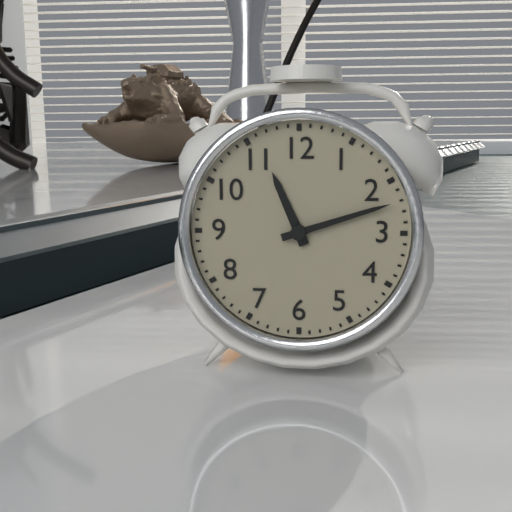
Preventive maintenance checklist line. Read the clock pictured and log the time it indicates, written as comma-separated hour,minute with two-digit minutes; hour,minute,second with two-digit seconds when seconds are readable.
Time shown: 11,12
